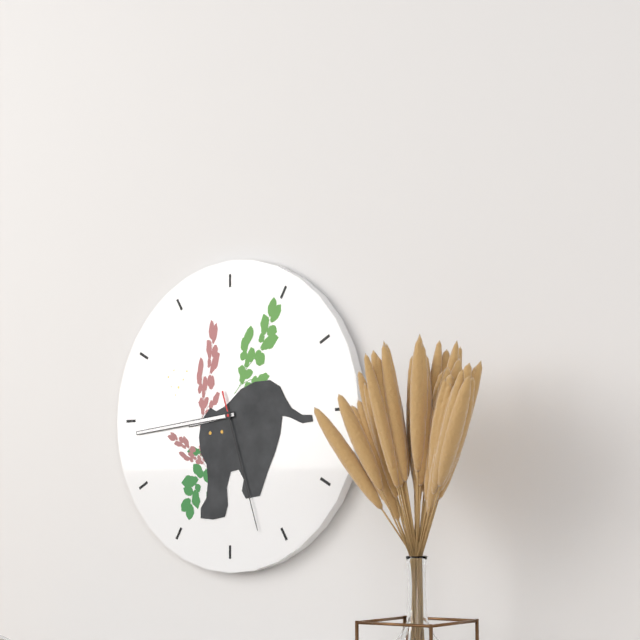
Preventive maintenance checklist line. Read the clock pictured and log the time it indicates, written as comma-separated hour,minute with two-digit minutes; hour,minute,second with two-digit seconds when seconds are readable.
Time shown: 8,44,27
